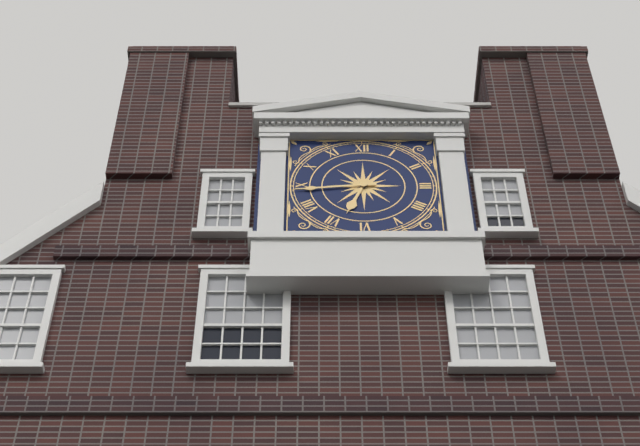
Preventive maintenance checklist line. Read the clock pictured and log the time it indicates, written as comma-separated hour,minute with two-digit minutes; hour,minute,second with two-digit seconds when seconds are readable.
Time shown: 6,44
